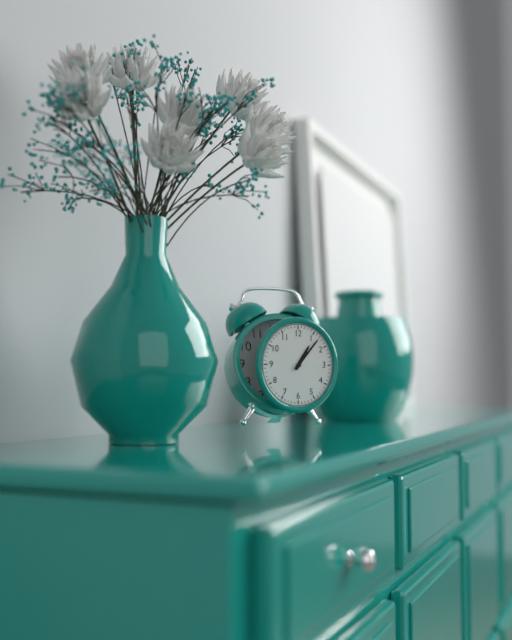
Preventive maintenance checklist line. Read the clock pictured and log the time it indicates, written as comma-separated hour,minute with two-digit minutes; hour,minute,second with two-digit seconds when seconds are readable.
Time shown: 1,07
